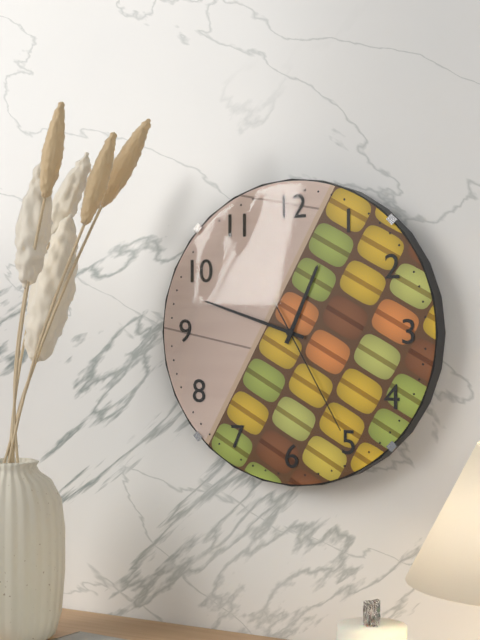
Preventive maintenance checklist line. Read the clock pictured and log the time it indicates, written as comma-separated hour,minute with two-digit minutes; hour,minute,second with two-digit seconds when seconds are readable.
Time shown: 12,48,25
